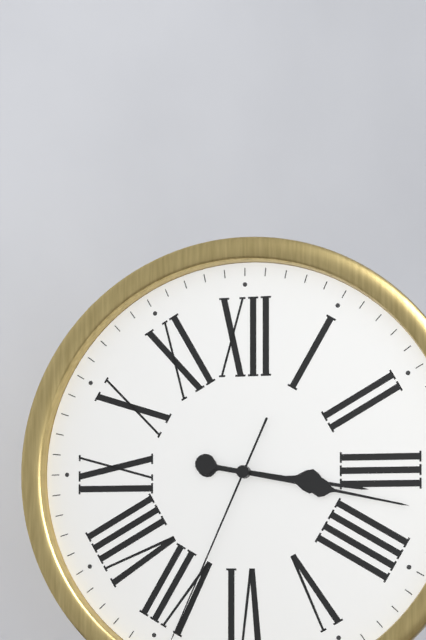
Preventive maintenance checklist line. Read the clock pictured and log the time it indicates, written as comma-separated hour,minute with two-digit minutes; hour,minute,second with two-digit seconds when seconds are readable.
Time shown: 3,17
